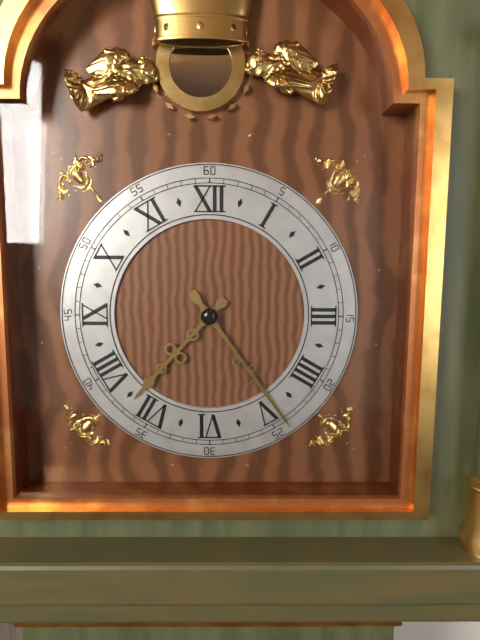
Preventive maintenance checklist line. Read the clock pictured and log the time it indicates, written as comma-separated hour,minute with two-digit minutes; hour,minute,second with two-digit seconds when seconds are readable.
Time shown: 7,24
